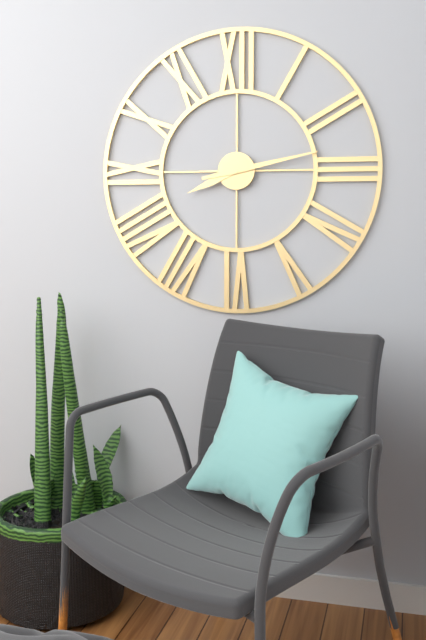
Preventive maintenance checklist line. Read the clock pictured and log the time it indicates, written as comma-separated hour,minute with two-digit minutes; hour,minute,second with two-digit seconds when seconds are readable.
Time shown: 8,13
